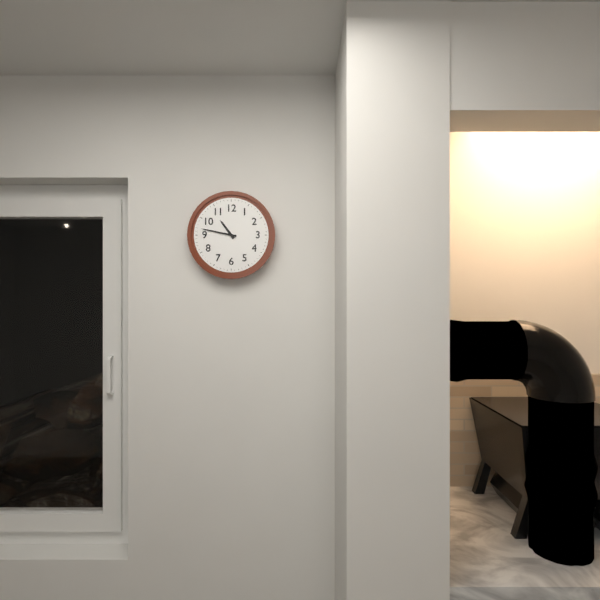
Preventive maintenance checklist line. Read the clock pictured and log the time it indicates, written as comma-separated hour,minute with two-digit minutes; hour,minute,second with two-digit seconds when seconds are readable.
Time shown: 10,47
